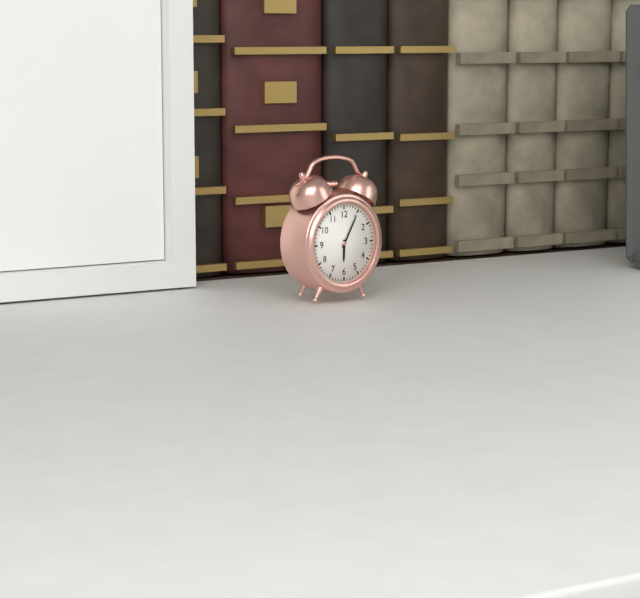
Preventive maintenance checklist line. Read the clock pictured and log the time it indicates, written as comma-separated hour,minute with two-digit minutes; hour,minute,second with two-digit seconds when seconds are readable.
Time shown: 6,05
